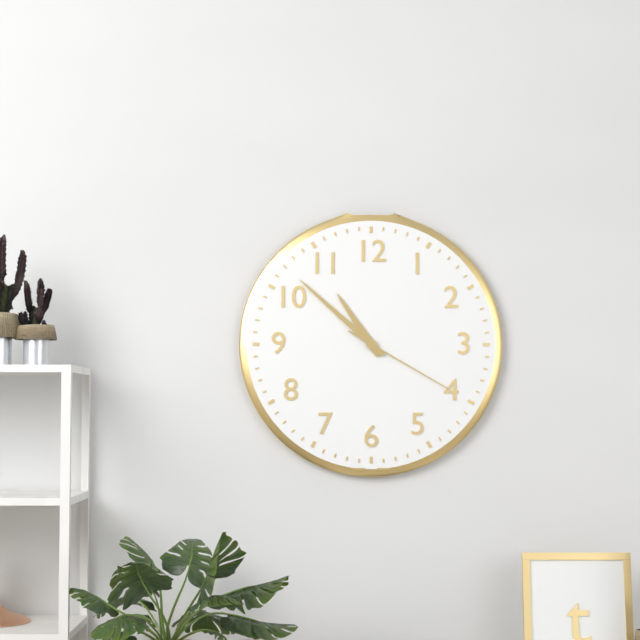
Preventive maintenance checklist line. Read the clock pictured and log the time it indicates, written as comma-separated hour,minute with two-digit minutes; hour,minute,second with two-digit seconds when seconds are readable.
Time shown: 10,52,20
